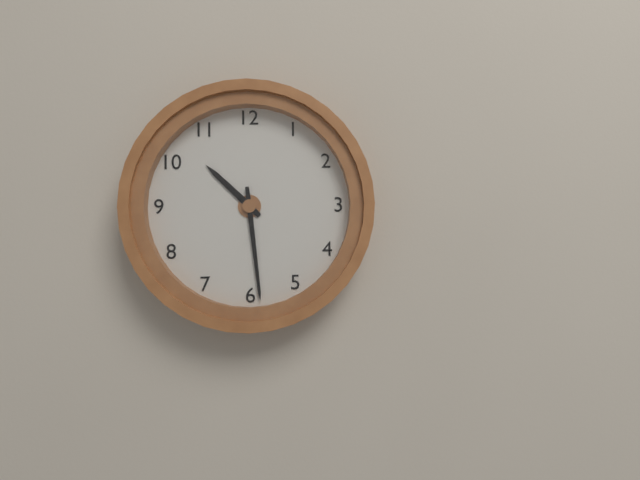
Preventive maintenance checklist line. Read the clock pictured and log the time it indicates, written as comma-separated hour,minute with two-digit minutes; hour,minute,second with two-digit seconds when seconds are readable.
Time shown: 10,29
